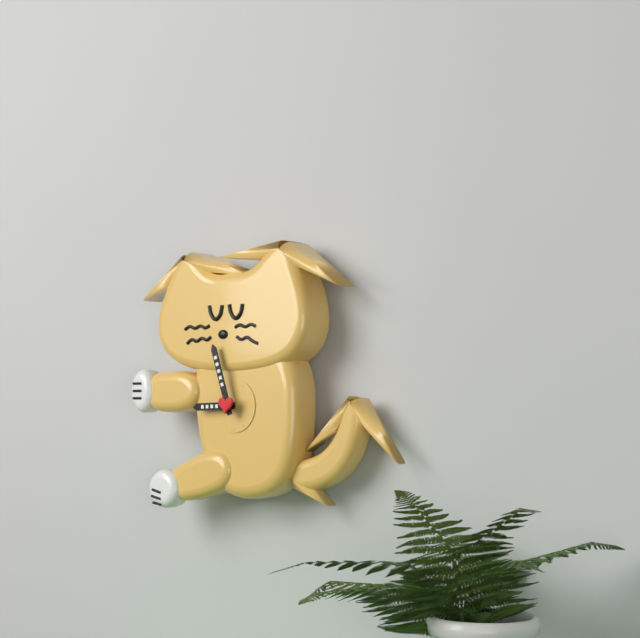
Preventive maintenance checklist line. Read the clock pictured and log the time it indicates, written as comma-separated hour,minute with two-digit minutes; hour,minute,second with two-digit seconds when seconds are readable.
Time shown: 8,57
